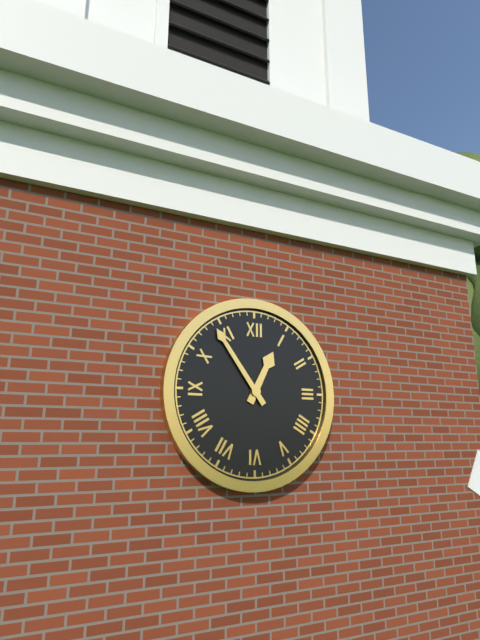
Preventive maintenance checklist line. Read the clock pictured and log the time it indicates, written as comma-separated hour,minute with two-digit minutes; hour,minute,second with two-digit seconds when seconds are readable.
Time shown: 12,54
